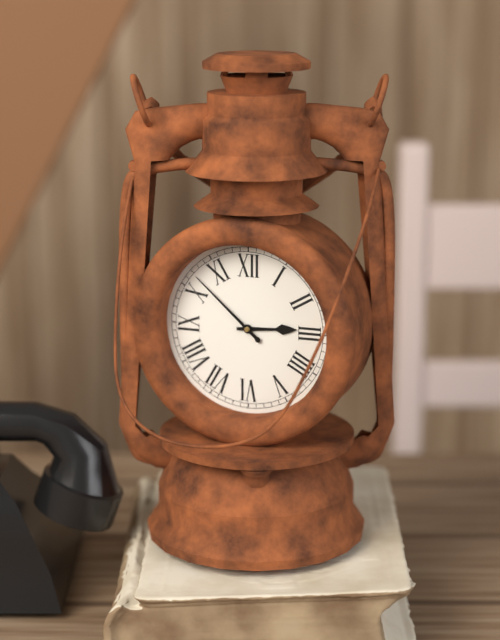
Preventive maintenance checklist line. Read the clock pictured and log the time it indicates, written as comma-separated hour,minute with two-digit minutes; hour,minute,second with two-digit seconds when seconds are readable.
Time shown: 2,52
